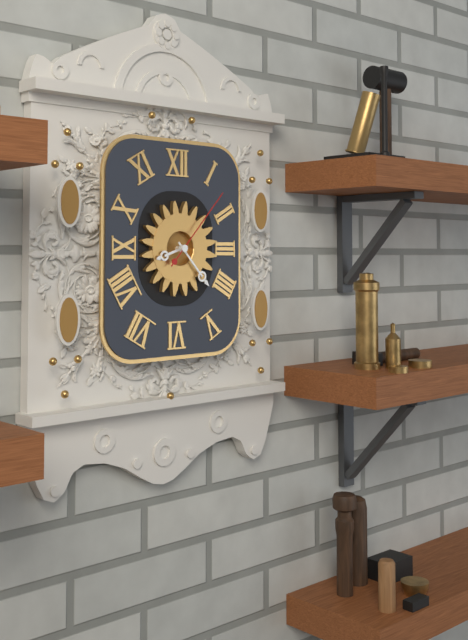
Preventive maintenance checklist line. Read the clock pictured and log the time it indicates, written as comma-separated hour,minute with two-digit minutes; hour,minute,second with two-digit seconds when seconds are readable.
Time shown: 8,23,07
